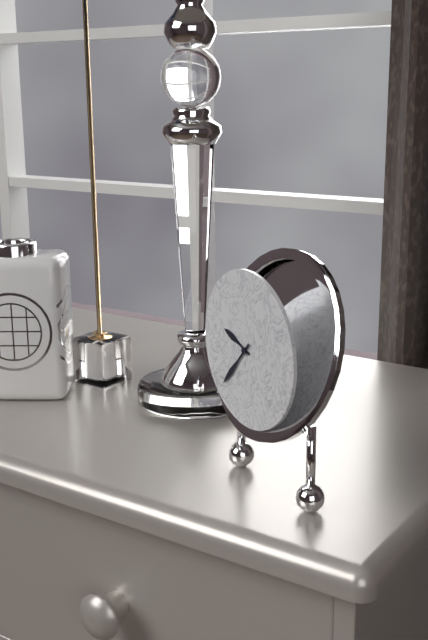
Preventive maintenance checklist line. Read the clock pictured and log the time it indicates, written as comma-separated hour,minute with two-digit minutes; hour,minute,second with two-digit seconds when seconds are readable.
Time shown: 9,37
